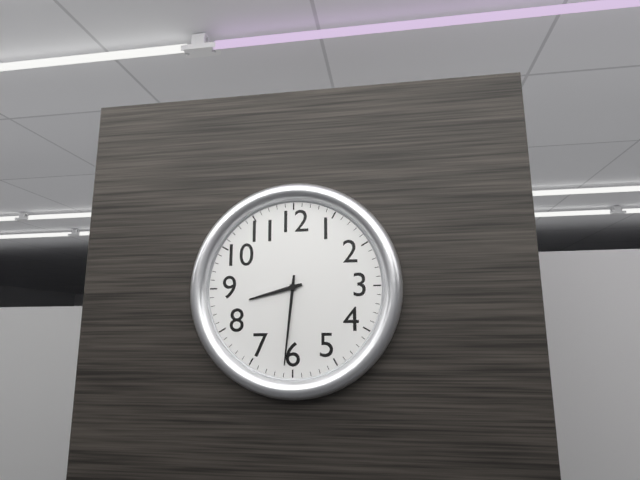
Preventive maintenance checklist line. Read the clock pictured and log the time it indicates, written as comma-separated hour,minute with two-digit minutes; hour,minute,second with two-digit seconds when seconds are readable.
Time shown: 8,31
